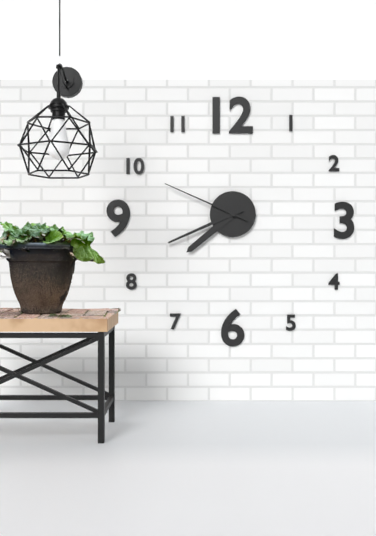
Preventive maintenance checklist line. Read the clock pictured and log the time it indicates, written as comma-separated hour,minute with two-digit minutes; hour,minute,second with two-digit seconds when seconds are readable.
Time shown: 7,41,49
